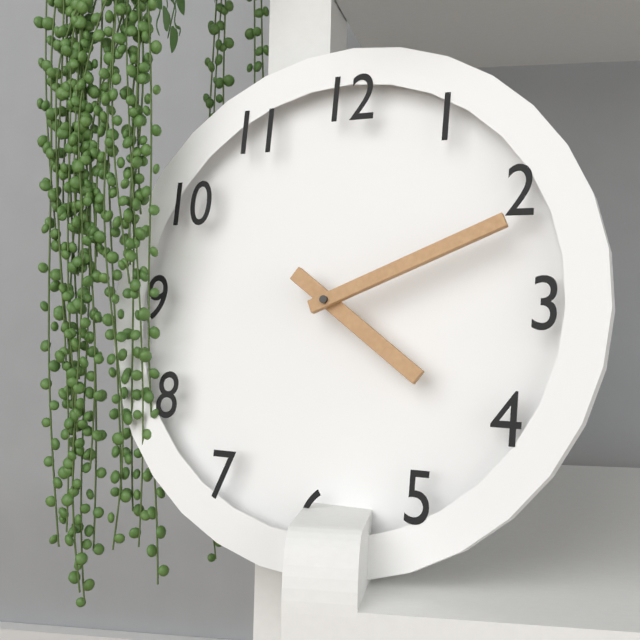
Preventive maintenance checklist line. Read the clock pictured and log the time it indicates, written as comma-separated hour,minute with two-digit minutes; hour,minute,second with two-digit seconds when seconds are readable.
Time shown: 4,11
